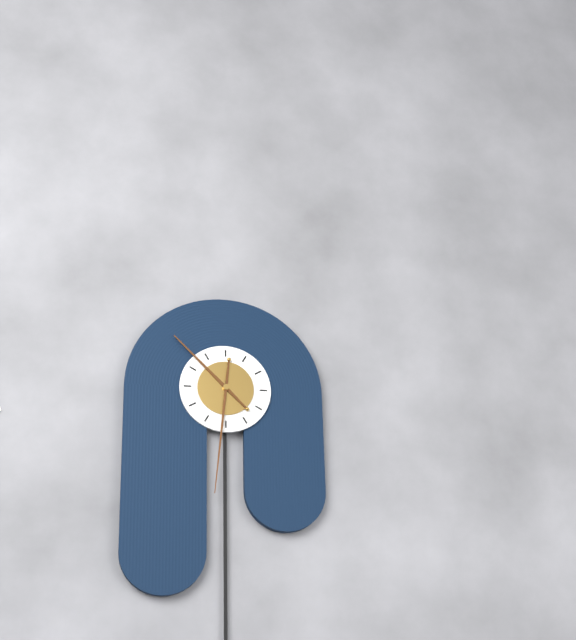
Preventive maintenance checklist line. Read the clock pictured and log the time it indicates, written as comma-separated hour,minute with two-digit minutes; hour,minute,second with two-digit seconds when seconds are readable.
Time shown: 10,31
